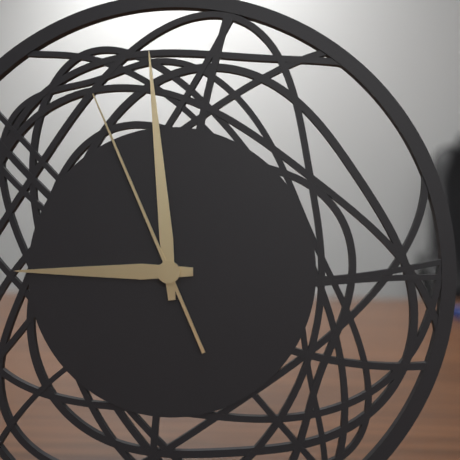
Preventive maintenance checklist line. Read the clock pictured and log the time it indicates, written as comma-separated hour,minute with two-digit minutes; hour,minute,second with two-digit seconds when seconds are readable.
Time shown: 8,59,56
